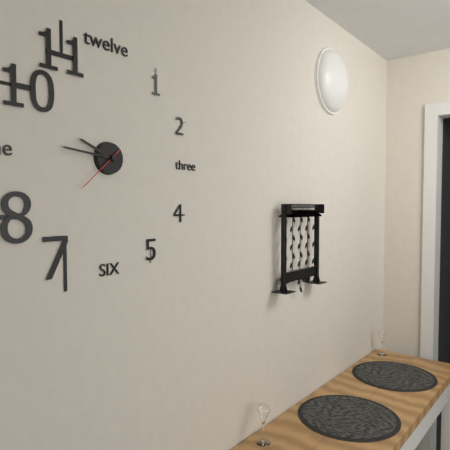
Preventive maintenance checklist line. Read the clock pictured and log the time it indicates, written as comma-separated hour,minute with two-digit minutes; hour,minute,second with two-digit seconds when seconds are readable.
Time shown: 9,46,38
